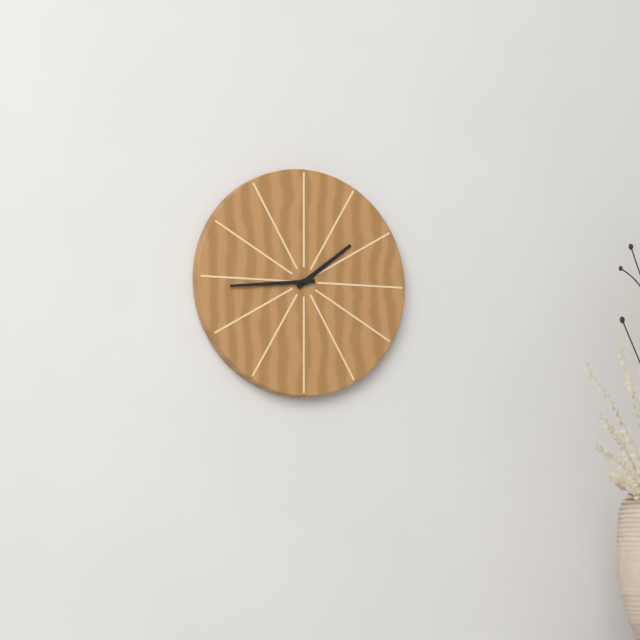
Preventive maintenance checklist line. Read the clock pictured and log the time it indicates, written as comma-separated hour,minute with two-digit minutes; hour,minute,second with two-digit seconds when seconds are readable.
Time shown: 1,44
